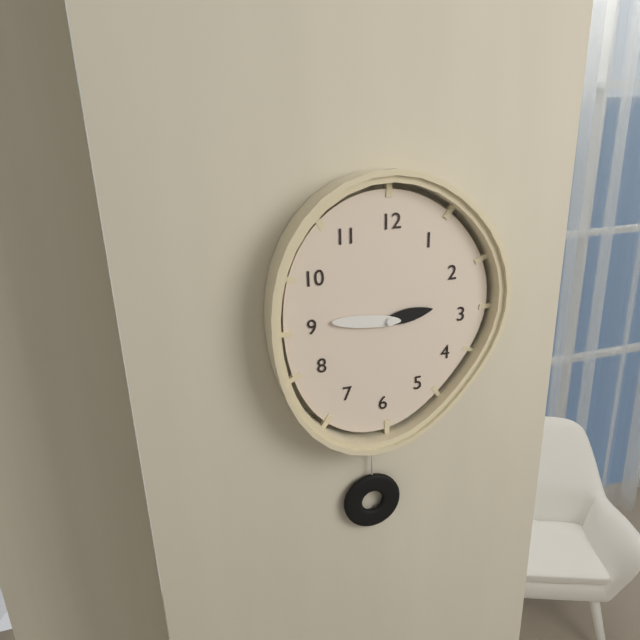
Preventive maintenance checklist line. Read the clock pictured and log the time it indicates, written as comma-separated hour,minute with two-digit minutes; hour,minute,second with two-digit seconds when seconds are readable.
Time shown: 2,46
